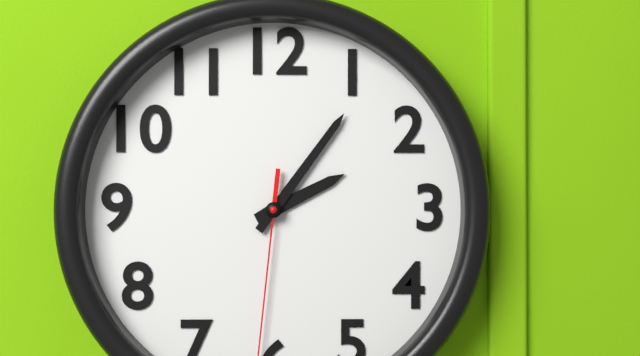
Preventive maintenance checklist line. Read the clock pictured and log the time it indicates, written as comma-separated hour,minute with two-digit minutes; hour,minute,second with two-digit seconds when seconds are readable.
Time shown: 2,06
